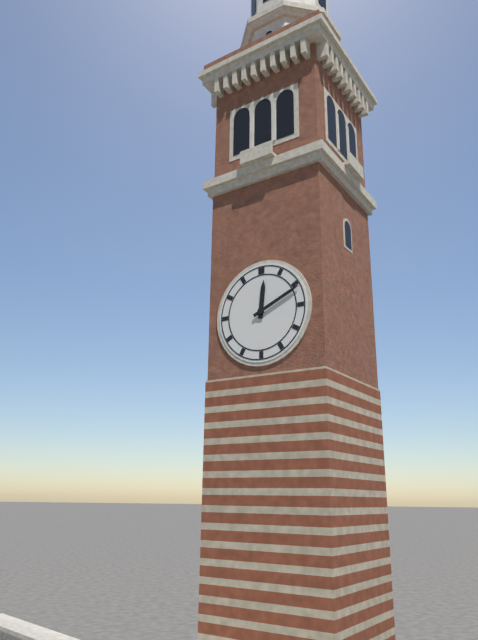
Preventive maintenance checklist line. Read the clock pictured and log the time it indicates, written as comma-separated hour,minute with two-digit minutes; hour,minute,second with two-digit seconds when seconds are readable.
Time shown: 12,11
